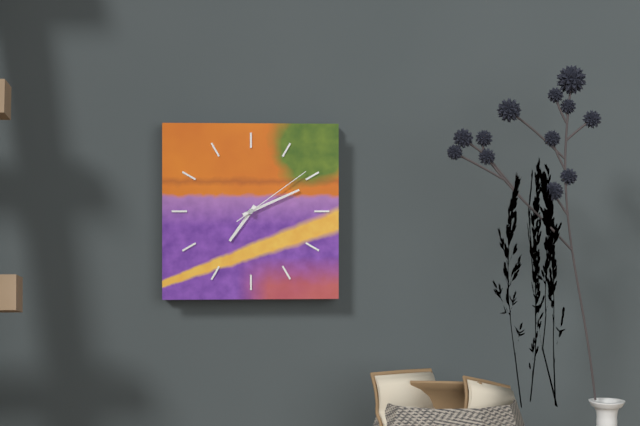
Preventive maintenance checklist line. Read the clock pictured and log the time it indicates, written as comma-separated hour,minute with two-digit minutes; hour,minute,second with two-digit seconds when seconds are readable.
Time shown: 7,11,09
